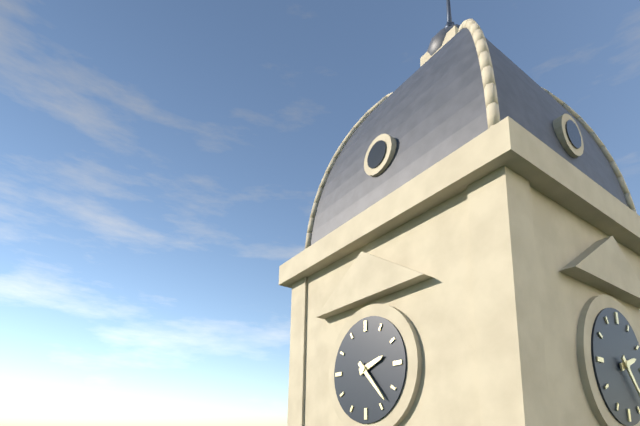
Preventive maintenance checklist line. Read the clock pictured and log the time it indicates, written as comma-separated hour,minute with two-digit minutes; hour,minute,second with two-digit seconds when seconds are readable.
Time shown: 2,23
